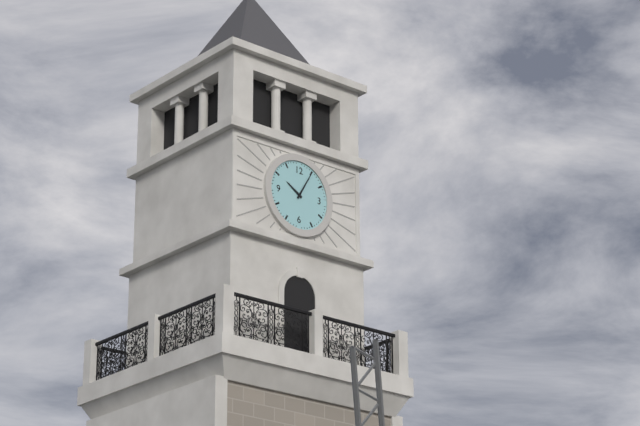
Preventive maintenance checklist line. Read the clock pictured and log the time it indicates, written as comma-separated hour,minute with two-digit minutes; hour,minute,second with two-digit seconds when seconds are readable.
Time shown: 10,05
